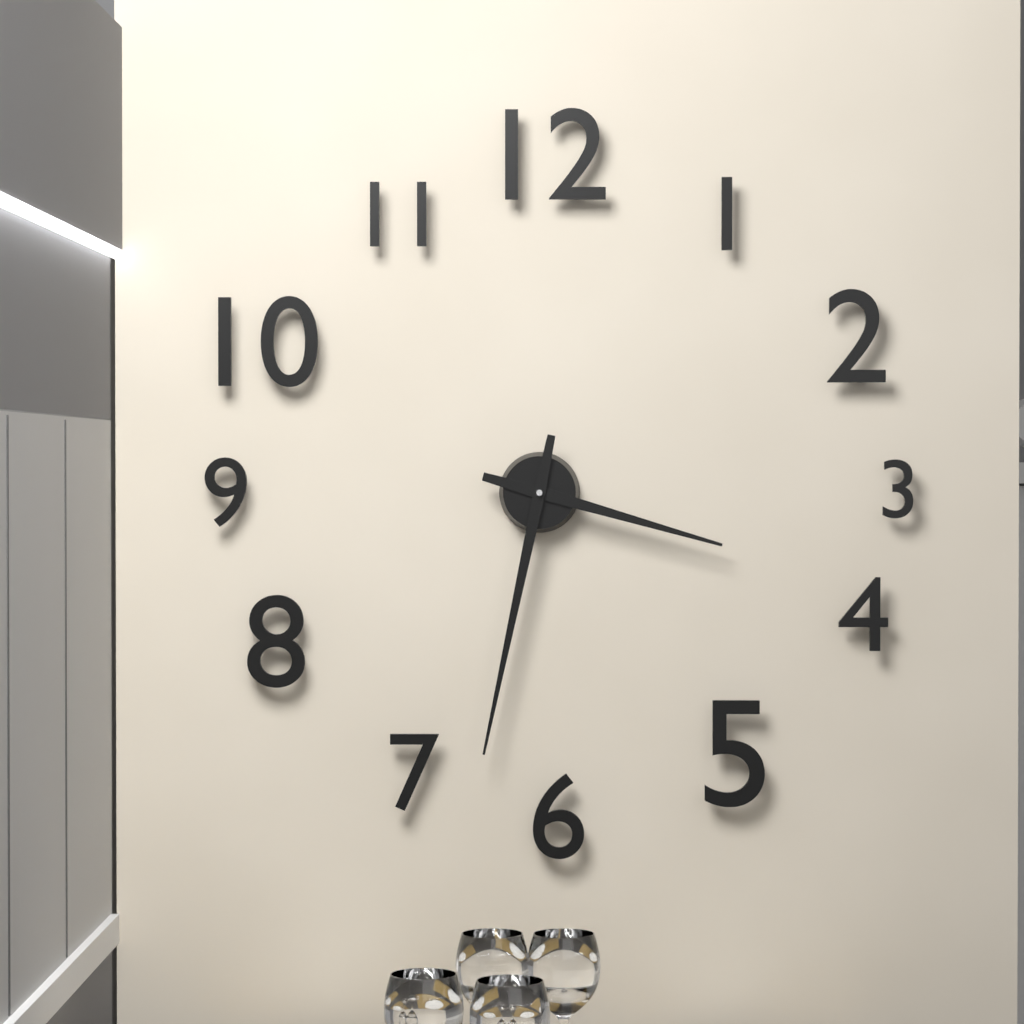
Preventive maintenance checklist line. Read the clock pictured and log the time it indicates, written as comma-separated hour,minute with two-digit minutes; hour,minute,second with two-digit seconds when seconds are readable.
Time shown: 3,32
